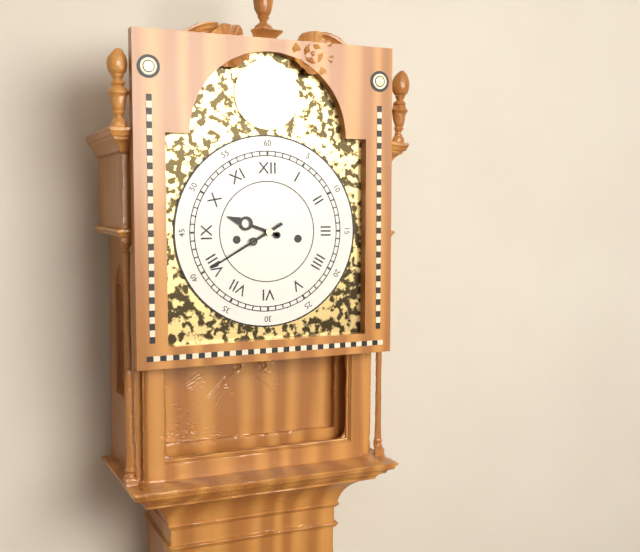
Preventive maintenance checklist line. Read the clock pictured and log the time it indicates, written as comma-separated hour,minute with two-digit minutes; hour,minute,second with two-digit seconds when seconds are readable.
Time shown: 9,40
